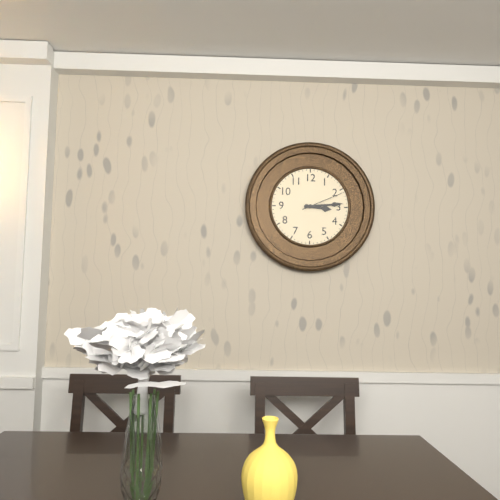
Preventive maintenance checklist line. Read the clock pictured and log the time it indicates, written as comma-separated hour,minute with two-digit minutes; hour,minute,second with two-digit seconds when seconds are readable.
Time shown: 3,14
